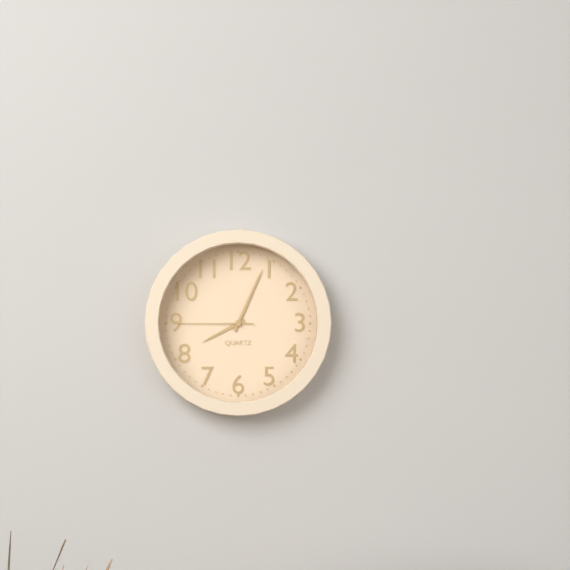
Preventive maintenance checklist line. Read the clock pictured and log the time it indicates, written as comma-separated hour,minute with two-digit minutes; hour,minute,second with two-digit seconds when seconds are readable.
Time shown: 8,04,45
